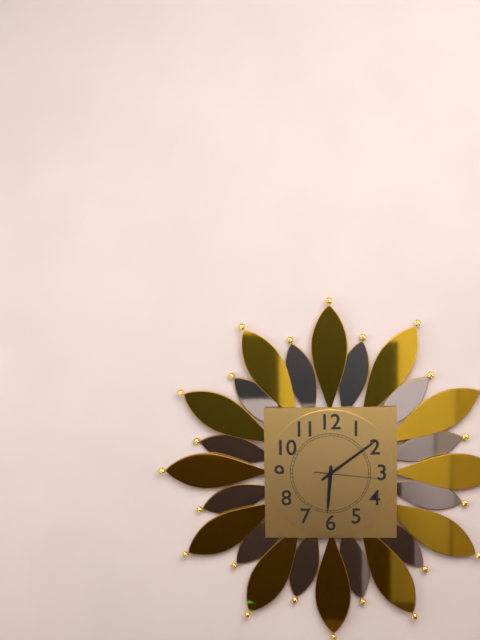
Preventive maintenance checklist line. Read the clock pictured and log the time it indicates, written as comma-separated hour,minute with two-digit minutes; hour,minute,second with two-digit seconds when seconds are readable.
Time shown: 6,09,16
